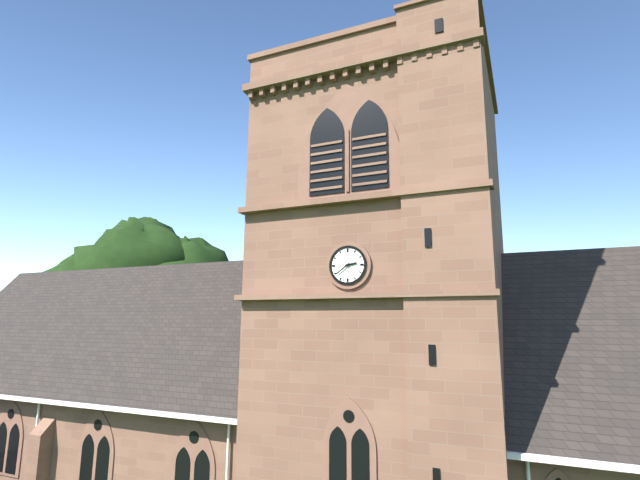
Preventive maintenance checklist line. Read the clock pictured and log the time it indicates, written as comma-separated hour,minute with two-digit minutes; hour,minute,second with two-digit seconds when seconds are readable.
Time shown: 2,39
